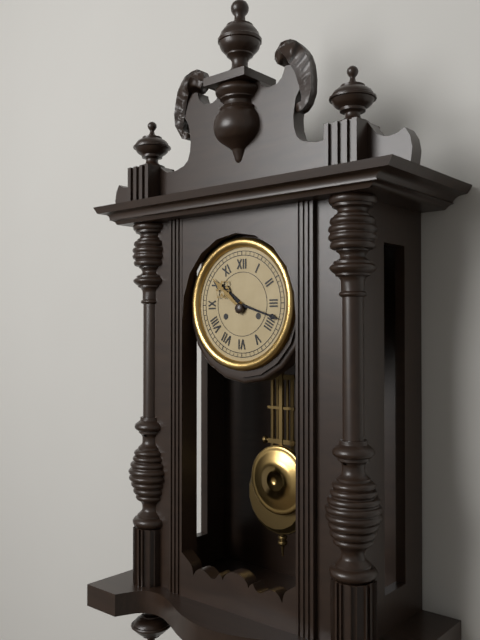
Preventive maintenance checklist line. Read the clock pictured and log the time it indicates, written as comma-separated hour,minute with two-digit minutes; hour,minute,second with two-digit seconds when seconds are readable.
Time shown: 10,18
